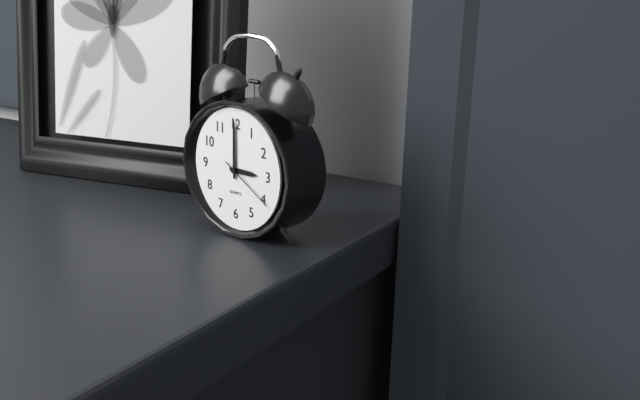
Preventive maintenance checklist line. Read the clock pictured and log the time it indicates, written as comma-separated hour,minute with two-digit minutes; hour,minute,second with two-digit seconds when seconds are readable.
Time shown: 3,00,20
